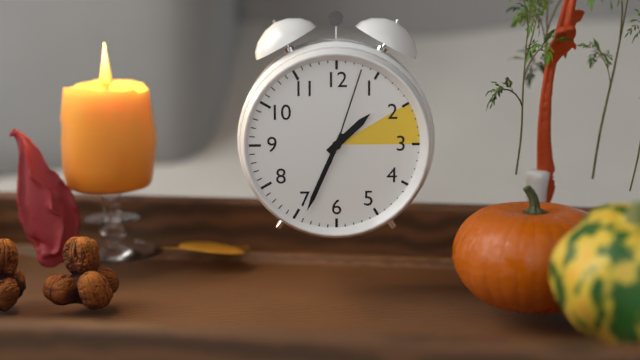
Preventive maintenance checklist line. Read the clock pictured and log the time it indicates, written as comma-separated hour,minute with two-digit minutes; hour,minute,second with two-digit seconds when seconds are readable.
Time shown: 1,34,03
